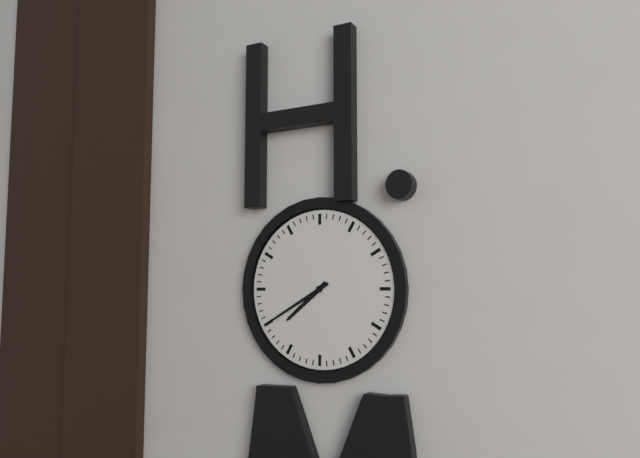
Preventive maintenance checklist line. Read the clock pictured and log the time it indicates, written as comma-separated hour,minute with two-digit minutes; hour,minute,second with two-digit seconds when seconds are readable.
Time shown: 7,40
